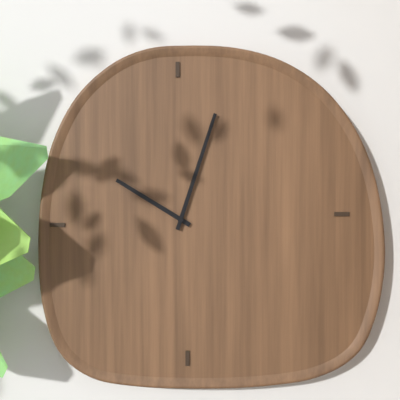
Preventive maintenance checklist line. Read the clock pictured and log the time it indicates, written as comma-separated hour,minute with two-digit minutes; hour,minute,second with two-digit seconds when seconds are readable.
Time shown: 10,03
